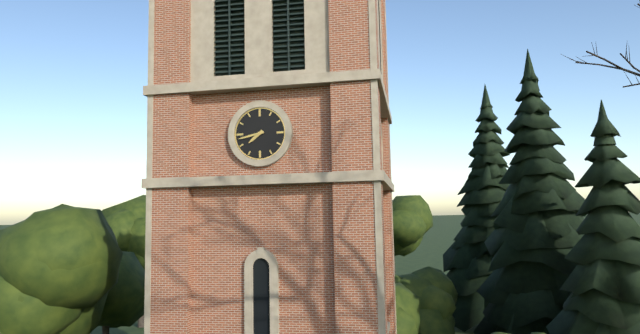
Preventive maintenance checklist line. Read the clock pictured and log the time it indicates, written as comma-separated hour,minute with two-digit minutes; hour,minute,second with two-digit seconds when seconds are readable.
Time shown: 7,43
